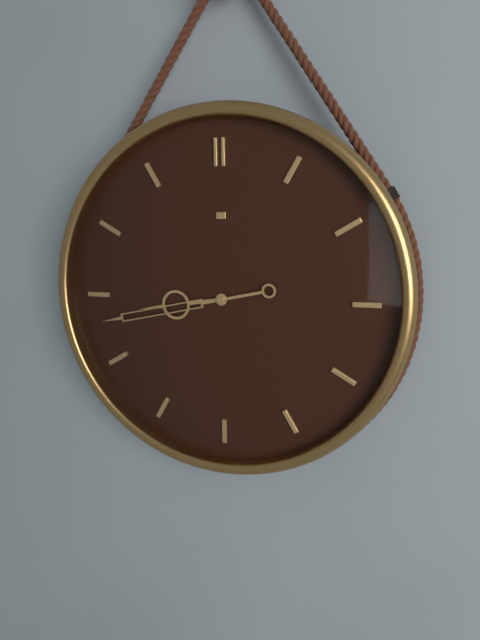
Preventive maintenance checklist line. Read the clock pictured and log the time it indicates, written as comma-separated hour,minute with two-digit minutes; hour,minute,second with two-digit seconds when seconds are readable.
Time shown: 8,43
